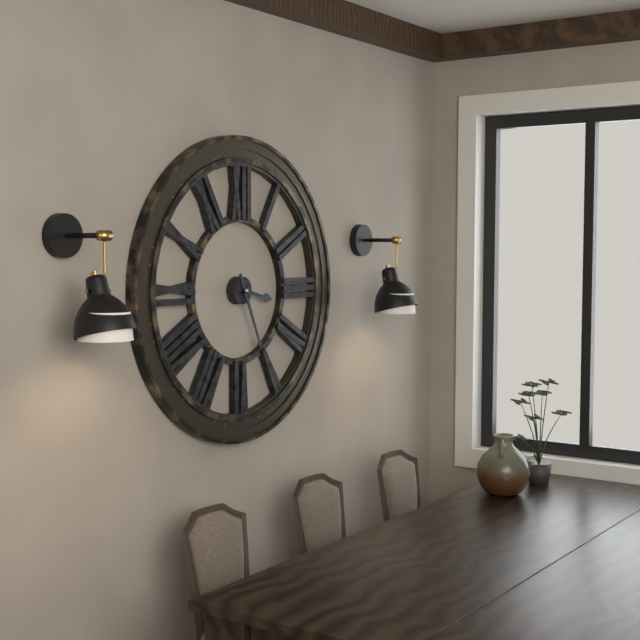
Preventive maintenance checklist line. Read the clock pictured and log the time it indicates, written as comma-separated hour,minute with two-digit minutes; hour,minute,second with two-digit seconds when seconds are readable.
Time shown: 3,26
